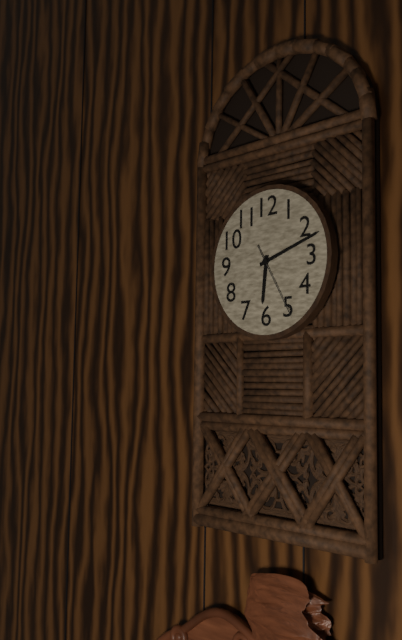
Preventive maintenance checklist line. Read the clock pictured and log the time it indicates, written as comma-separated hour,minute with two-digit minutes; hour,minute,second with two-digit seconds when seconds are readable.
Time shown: 6,12,25
